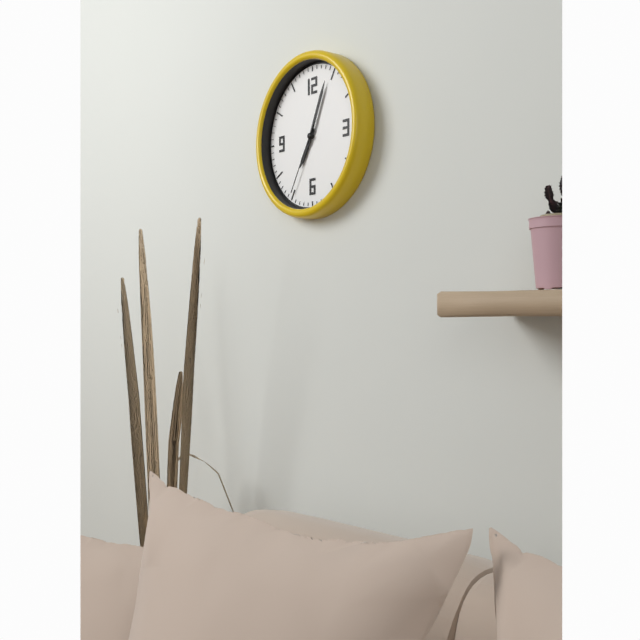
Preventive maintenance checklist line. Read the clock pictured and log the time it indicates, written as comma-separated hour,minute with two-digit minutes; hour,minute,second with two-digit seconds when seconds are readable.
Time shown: 7,04,35
